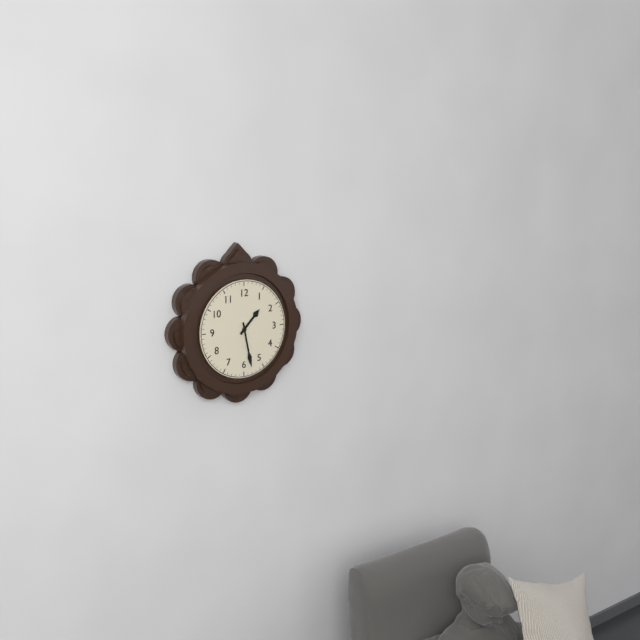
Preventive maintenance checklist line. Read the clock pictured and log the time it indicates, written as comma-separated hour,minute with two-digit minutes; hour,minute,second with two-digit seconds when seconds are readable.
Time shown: 1,28
